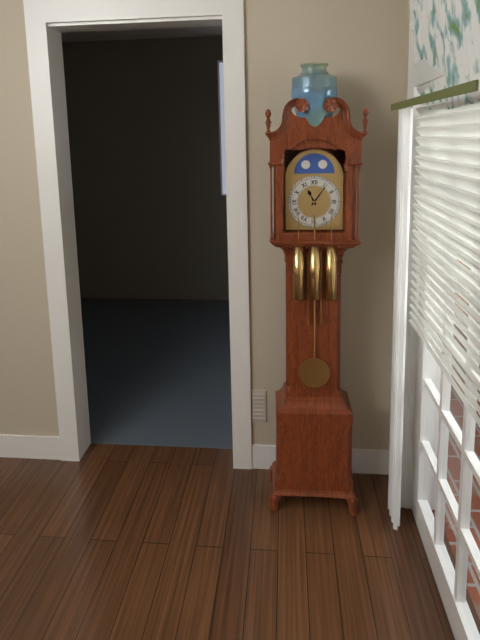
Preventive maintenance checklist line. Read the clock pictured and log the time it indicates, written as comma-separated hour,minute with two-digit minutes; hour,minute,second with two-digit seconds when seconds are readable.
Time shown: 11,06
